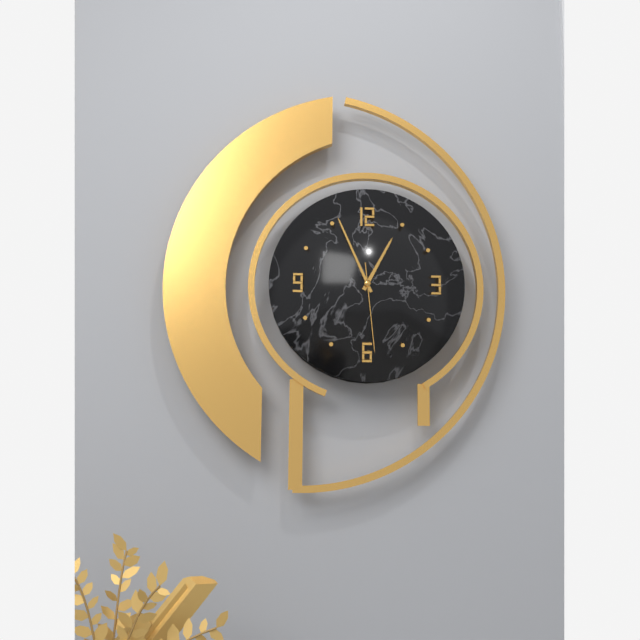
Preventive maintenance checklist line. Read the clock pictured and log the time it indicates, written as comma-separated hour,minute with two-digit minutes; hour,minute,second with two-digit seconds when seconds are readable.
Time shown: 12,56,29
